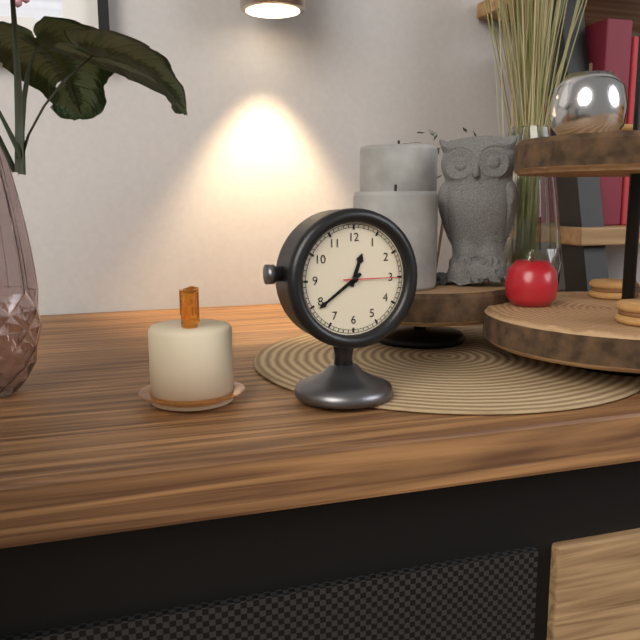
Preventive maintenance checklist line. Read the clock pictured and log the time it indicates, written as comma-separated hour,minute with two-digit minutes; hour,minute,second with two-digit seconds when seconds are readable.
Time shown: 12,39,15
